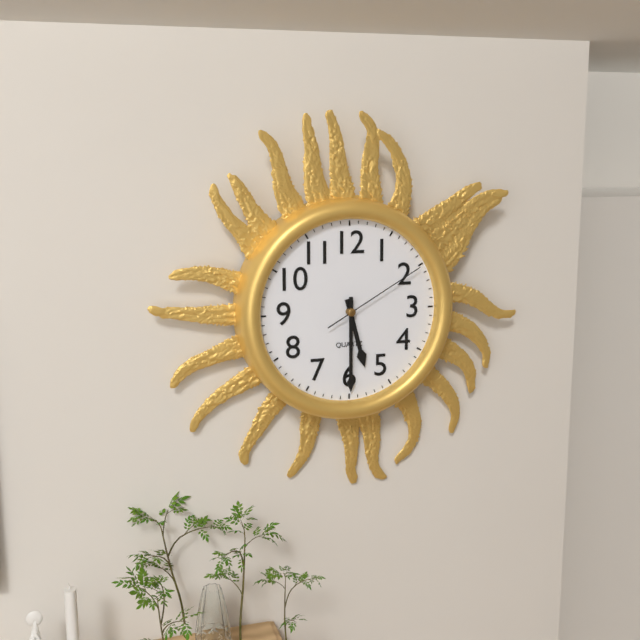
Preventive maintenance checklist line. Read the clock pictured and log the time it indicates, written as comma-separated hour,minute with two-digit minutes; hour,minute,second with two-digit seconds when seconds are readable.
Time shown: 5,30,10
